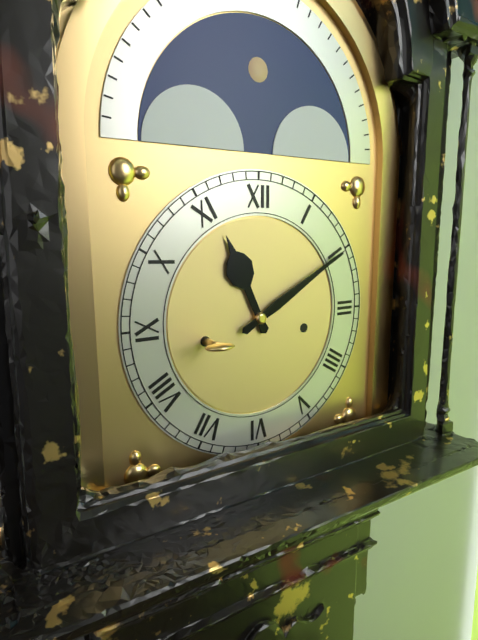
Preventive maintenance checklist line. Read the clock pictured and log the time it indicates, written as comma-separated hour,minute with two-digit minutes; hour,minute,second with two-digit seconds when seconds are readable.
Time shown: 11,10
